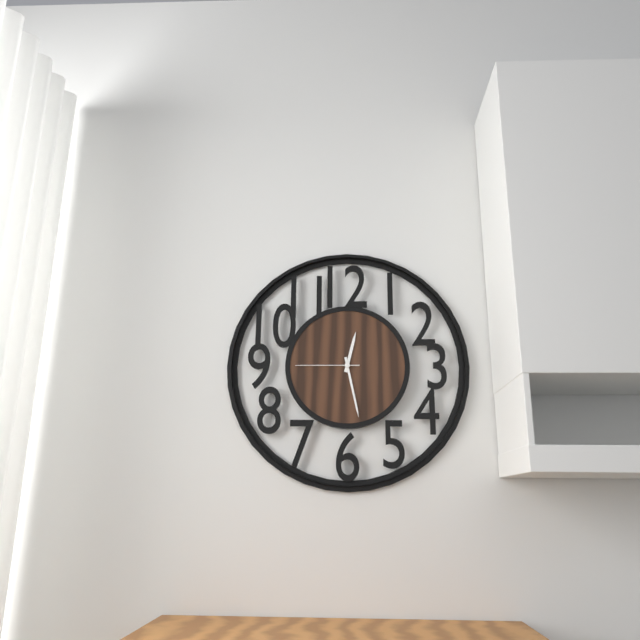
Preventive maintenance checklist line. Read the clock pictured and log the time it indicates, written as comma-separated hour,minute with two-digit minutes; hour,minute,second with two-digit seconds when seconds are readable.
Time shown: 12,28,45
